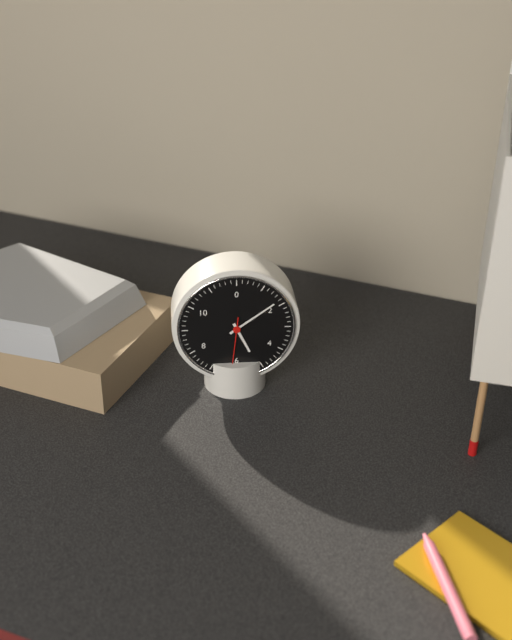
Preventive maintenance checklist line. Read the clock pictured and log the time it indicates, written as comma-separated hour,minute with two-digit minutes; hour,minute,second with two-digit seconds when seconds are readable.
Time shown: 5,09,31
